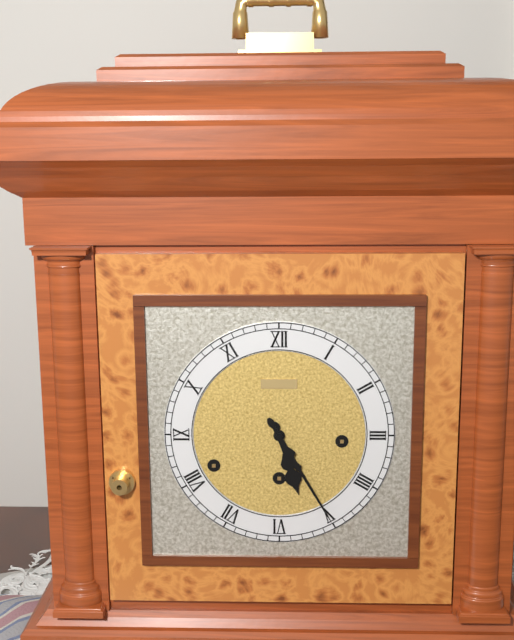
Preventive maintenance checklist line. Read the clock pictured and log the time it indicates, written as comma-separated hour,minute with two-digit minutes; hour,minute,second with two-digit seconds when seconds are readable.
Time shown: 5,25
